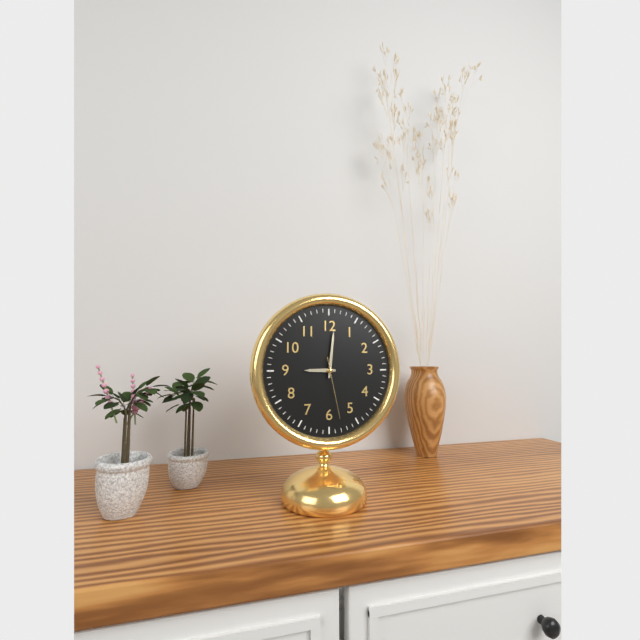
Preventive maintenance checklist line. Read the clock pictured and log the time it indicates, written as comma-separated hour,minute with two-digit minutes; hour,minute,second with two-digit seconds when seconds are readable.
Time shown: 9,01,28
